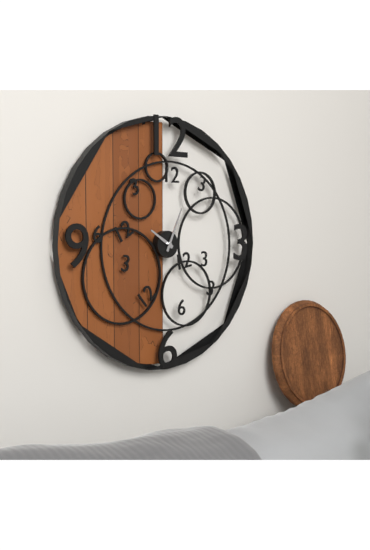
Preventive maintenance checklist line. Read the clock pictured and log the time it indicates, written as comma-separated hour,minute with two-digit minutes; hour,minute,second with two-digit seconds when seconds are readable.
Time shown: 10,04
